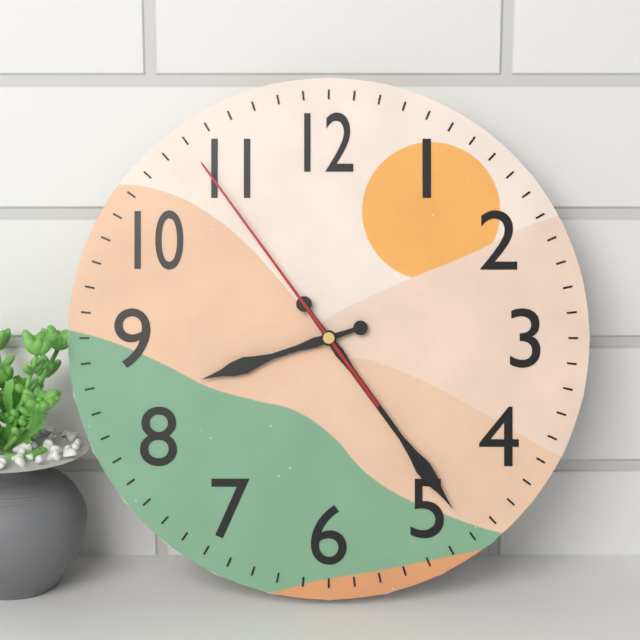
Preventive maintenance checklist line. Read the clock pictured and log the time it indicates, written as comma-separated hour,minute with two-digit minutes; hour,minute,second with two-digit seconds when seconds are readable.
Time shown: 8,24,54
